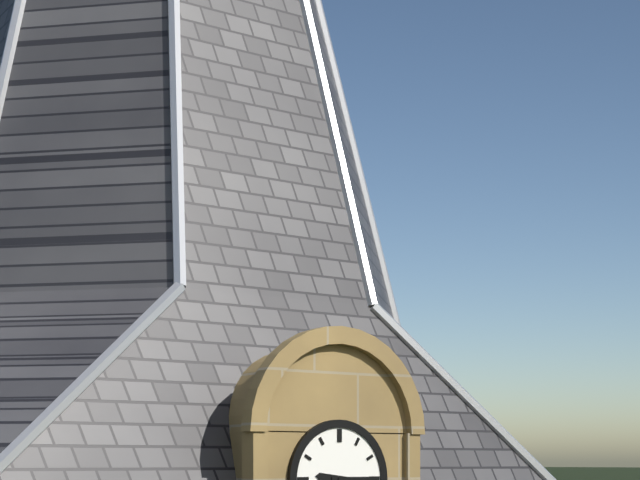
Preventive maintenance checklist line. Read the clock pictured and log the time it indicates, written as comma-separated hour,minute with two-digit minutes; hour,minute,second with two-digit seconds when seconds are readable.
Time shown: 9,15
